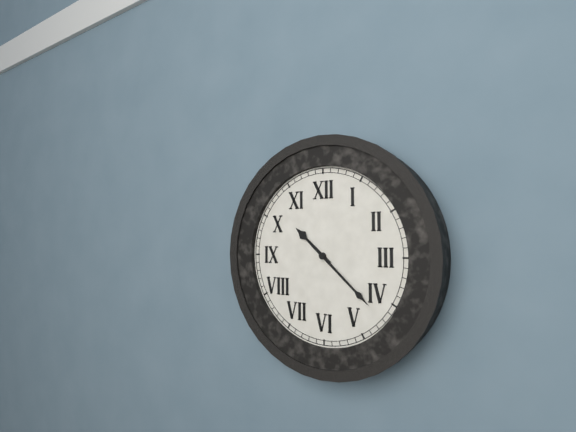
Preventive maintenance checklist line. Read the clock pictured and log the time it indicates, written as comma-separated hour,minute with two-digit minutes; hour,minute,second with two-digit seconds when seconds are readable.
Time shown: 10,22
